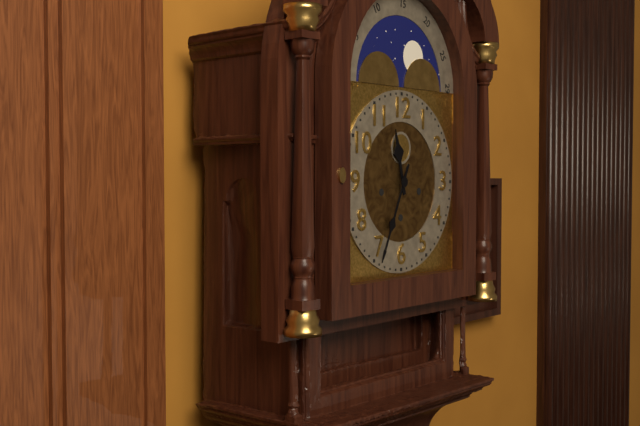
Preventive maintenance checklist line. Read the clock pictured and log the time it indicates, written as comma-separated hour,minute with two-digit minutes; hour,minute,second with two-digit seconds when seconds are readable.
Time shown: 11,34
